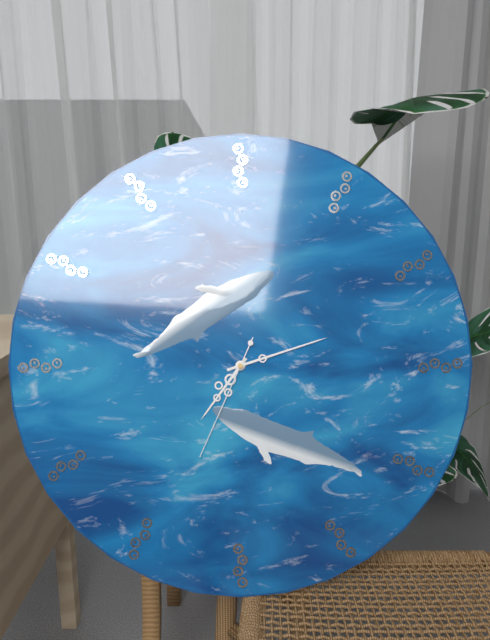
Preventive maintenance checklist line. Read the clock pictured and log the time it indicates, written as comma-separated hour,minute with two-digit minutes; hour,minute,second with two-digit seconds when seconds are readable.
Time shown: 7,12,34
